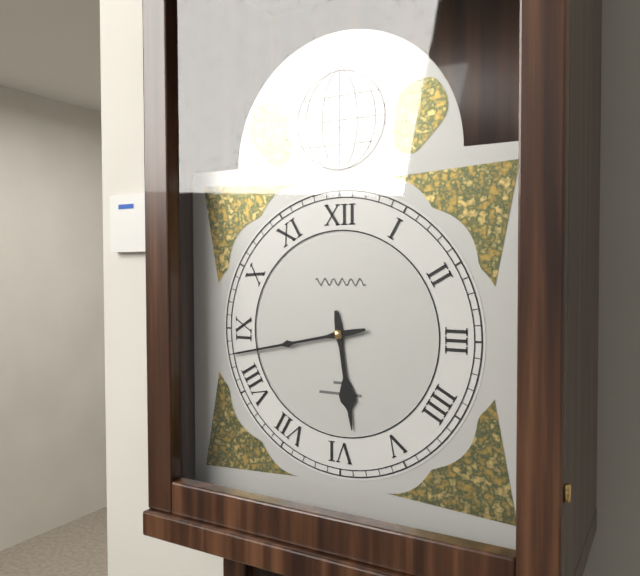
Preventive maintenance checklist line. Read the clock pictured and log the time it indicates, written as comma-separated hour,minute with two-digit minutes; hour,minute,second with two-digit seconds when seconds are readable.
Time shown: 5,43
